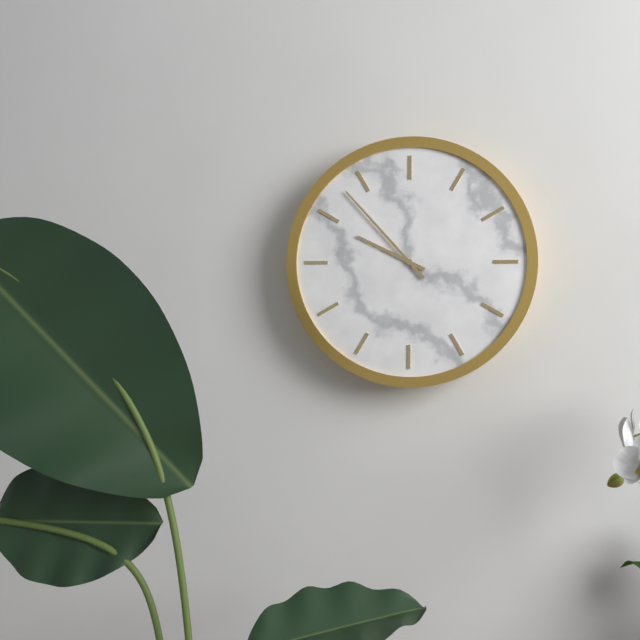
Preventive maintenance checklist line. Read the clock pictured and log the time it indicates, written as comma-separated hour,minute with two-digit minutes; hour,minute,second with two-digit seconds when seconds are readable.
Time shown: 9,53
